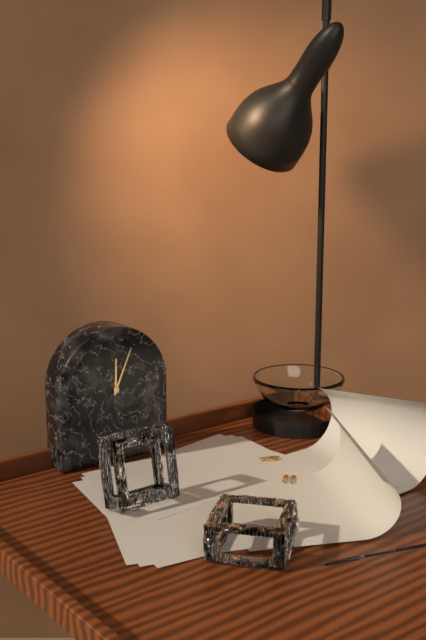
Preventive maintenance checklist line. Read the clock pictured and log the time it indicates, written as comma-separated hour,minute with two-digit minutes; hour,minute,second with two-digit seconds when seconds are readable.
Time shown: 12,04
